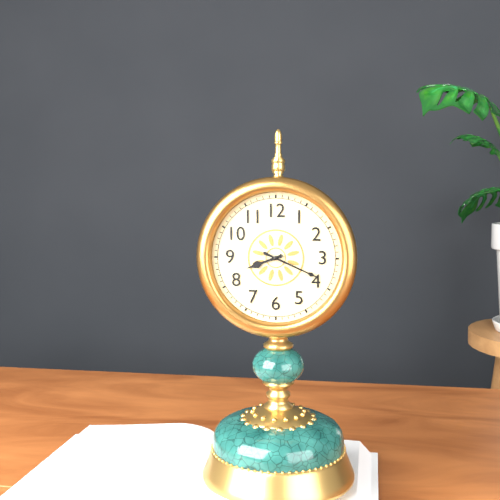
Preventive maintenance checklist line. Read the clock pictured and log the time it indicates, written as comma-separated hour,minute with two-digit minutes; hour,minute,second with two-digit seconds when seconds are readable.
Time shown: 8,19
